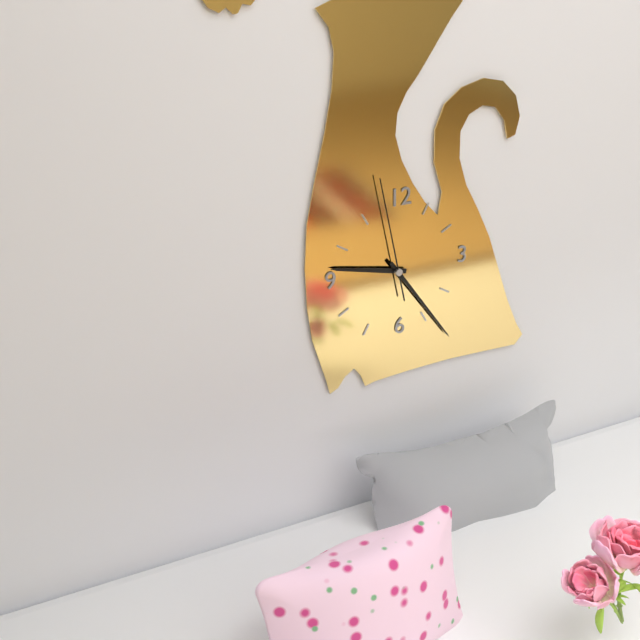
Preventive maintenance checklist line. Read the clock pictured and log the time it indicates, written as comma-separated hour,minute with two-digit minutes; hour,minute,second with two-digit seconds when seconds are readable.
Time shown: 9,24,58
